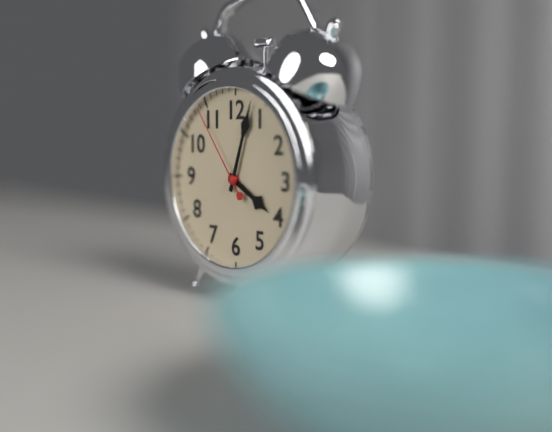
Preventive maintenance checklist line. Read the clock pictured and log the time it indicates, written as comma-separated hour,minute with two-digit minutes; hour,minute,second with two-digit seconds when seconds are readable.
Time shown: 4,03,54
